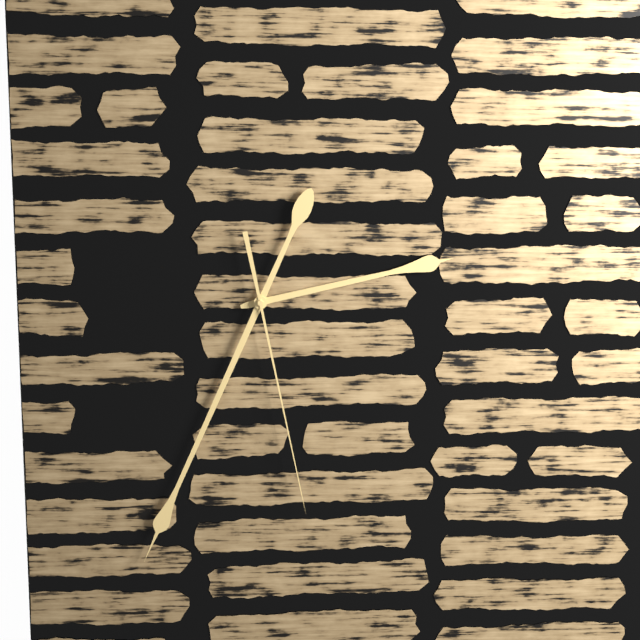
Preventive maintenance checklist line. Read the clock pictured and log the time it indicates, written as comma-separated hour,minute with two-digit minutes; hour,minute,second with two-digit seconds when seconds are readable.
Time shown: 2,34,28
